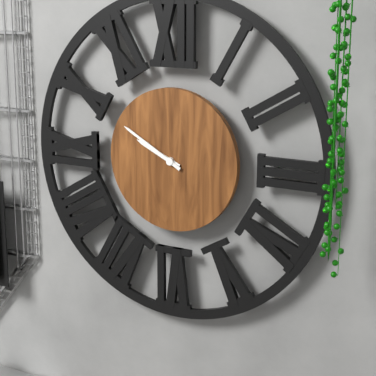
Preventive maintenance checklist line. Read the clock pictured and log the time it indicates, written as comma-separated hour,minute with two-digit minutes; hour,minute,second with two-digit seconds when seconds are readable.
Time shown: 9,50
